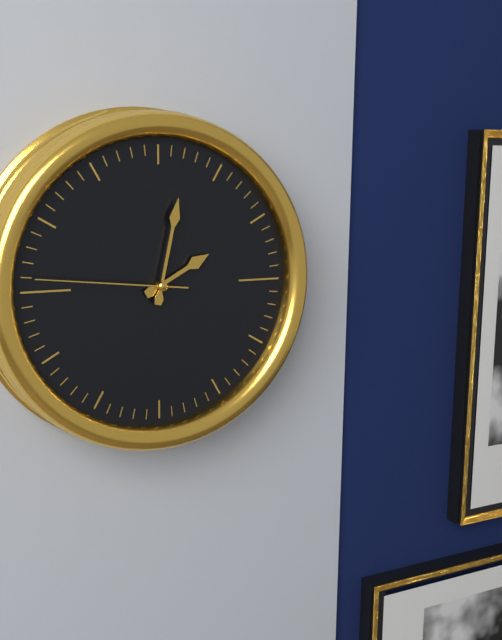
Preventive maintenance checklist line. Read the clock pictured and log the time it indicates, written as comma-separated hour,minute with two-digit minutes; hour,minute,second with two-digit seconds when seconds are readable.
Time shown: 2,02,46
